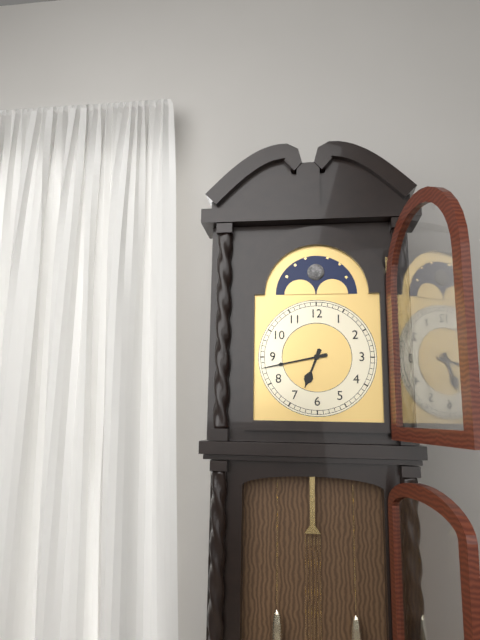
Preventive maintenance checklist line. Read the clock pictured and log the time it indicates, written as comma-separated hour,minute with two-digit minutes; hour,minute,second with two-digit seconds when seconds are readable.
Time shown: 6,43
